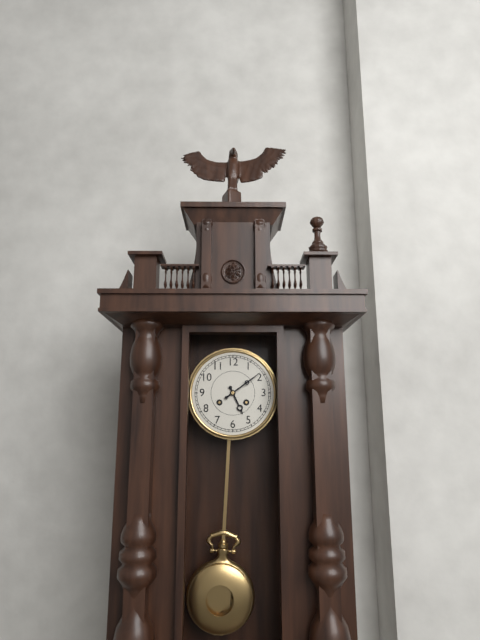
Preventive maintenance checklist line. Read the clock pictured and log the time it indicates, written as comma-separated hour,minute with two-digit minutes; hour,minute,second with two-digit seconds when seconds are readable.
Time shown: 5,09
